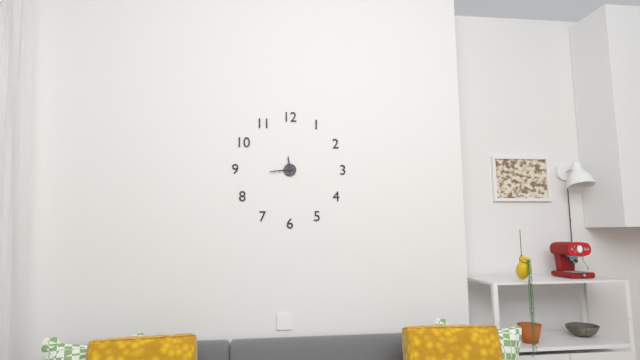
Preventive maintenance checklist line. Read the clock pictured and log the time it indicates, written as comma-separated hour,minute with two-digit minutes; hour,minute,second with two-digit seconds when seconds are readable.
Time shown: 11,44
